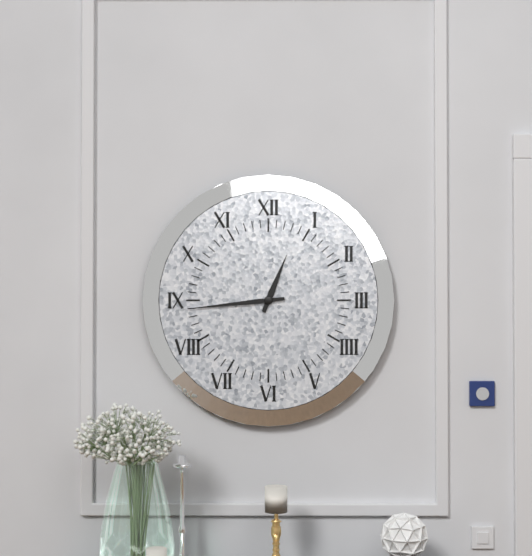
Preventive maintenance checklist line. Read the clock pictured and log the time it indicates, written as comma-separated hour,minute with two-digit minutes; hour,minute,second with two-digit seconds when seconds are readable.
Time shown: 12,44
